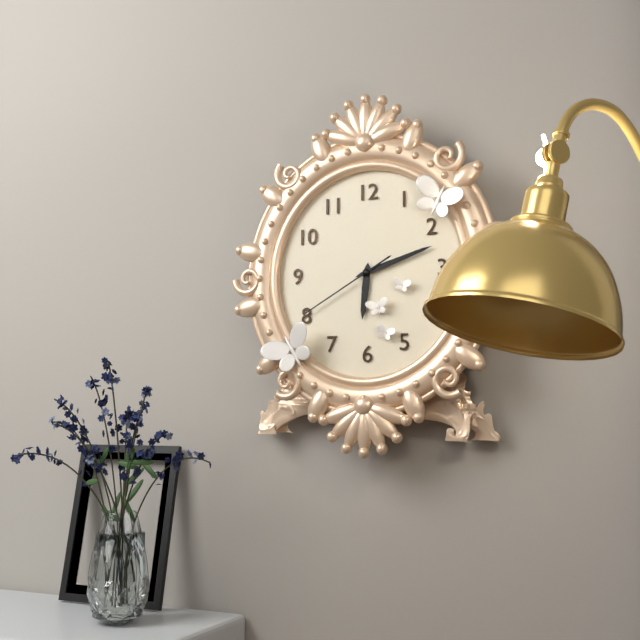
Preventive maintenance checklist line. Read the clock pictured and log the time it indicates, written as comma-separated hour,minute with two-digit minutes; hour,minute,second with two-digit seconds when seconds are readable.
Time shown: 6,12,40
